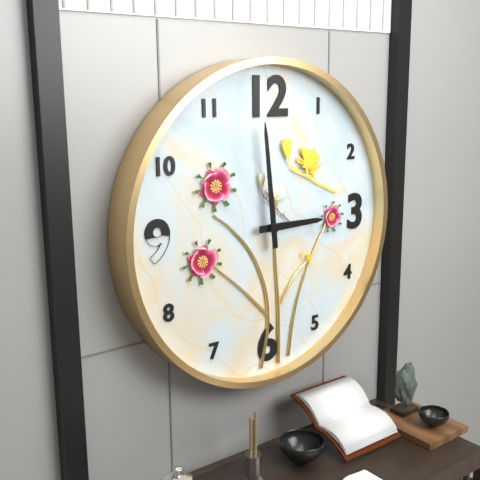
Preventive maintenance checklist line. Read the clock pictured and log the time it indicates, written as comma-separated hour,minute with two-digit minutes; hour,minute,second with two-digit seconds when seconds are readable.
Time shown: 2,59
